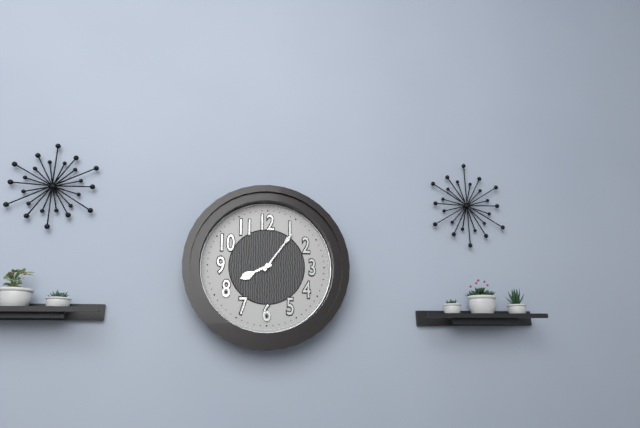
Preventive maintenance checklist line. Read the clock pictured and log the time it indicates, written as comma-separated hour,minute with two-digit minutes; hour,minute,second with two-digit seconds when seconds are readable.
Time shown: 8,06
